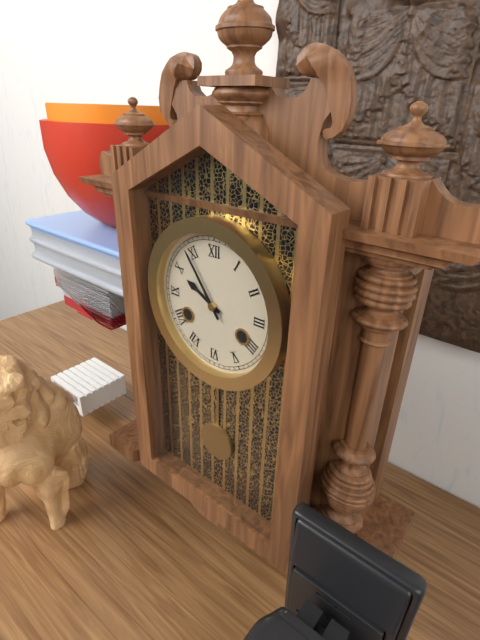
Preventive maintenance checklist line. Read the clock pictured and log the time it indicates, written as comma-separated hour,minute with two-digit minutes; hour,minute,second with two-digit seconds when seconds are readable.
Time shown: 9,54
